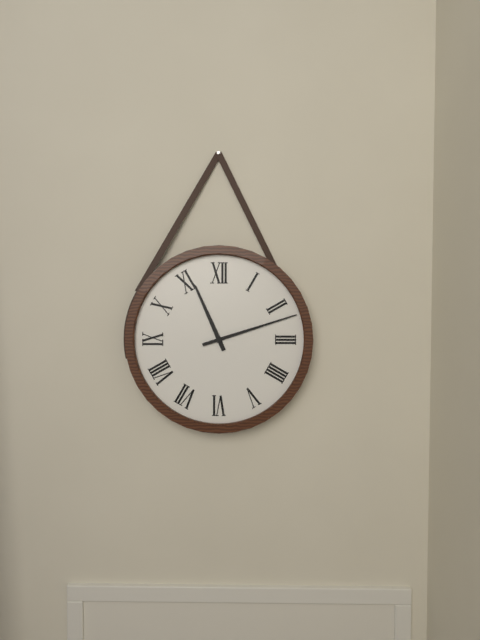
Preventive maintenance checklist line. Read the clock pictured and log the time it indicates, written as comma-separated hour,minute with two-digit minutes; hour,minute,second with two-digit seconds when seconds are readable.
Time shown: 11,12
